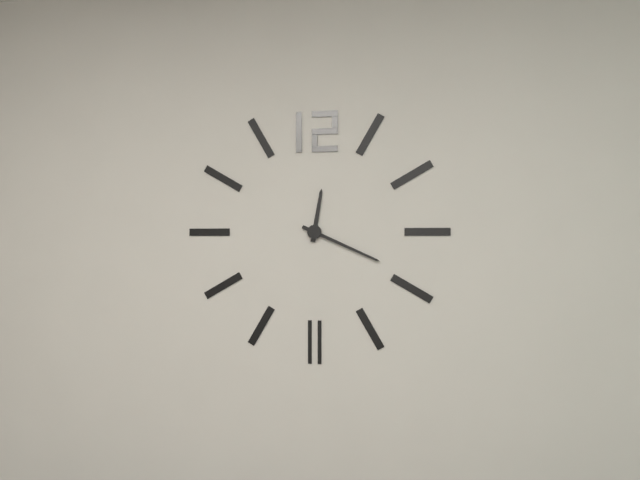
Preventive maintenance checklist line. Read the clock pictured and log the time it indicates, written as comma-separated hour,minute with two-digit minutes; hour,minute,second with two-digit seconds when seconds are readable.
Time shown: 12,19
